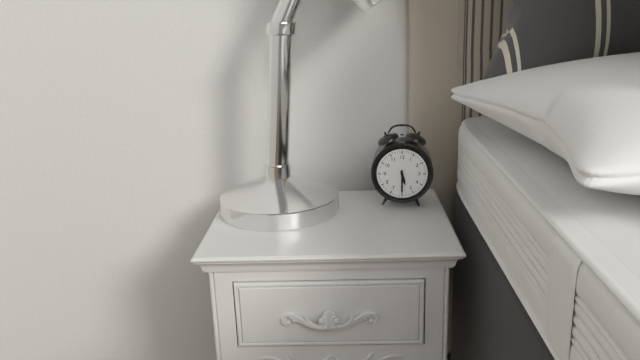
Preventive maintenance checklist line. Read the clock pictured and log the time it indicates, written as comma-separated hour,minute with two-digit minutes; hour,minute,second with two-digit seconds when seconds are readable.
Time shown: 5,30
